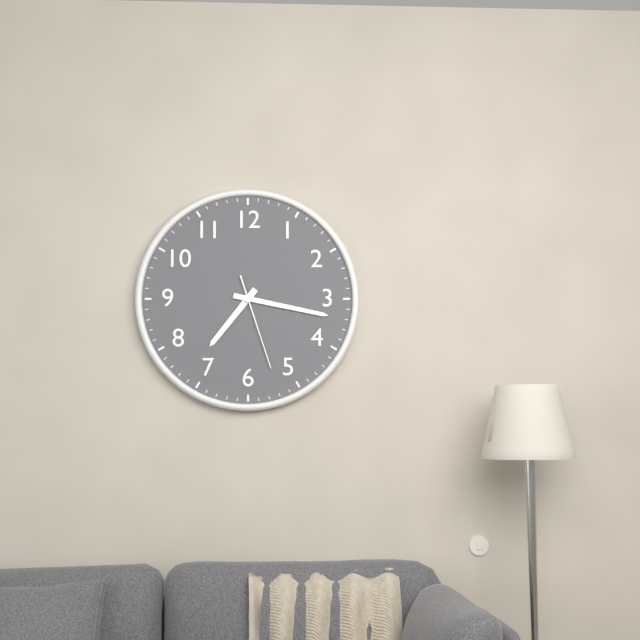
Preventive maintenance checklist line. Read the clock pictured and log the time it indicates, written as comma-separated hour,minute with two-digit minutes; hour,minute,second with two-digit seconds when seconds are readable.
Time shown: 7,17,27
